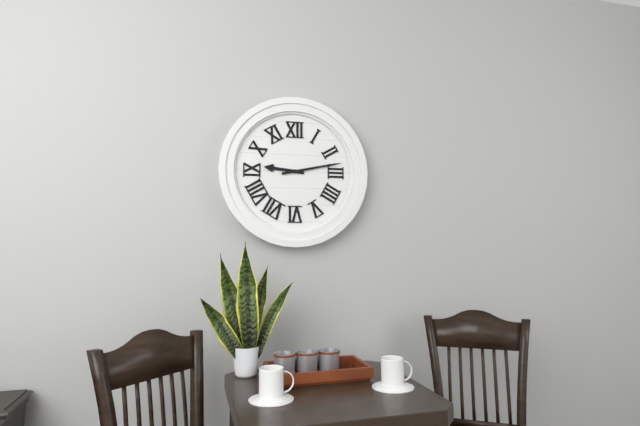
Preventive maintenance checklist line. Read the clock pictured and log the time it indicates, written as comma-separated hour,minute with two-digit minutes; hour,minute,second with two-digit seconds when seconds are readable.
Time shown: 9,13
